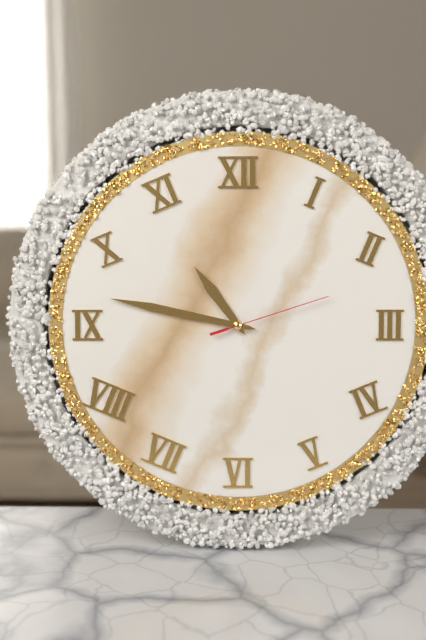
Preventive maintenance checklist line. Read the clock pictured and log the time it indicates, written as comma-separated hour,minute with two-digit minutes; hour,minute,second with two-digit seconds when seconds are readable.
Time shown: 10,47,12
